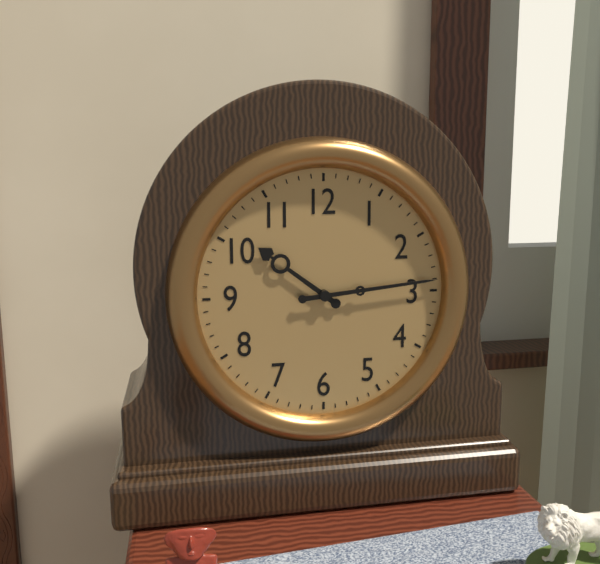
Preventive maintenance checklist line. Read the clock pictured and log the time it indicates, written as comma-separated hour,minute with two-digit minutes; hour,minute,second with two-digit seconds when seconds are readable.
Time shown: 10,14
